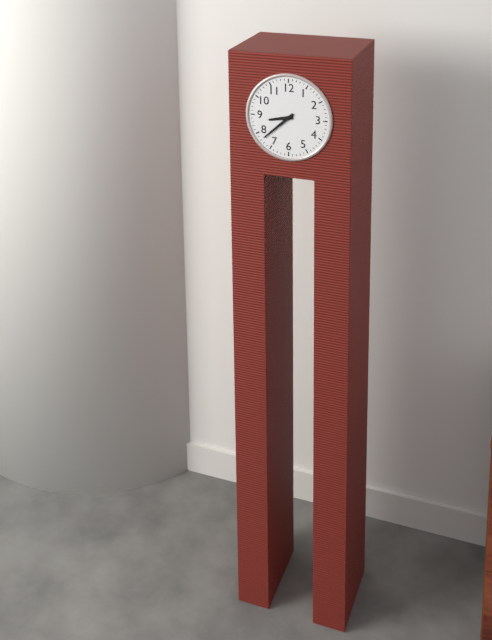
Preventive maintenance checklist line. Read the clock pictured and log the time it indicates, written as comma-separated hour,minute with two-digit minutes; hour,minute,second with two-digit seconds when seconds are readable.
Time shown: 8,38
